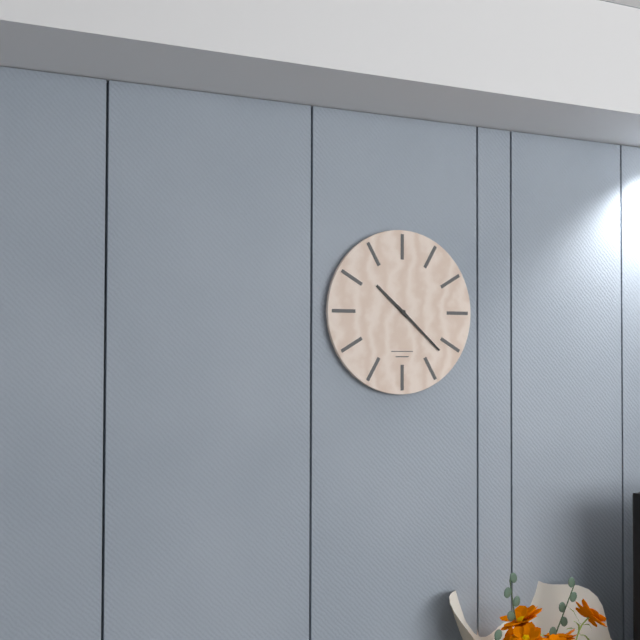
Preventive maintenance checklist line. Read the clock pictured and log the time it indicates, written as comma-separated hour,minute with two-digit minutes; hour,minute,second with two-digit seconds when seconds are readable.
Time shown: 10,22
